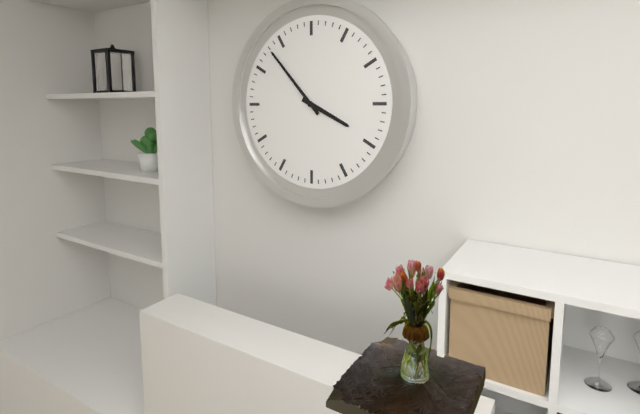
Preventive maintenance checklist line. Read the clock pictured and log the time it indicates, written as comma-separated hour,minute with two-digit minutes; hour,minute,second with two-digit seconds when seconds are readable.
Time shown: 3,53
